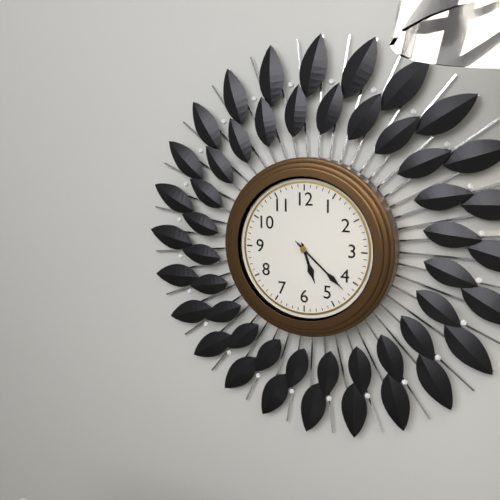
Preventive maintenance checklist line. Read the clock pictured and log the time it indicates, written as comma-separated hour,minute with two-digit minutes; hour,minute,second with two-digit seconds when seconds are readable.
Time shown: 5,22
